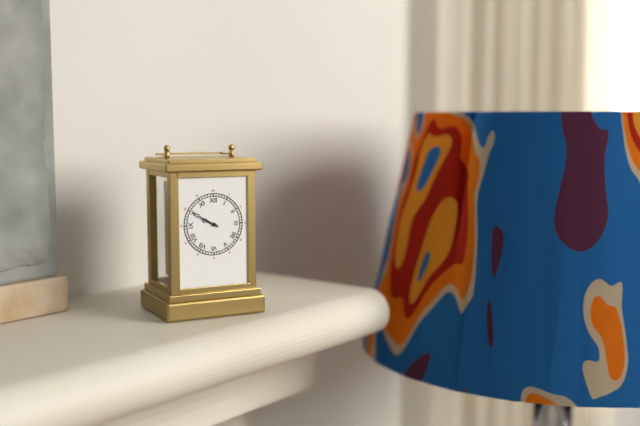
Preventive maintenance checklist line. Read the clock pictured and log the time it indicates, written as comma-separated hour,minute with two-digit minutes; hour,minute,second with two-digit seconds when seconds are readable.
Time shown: 9,50
